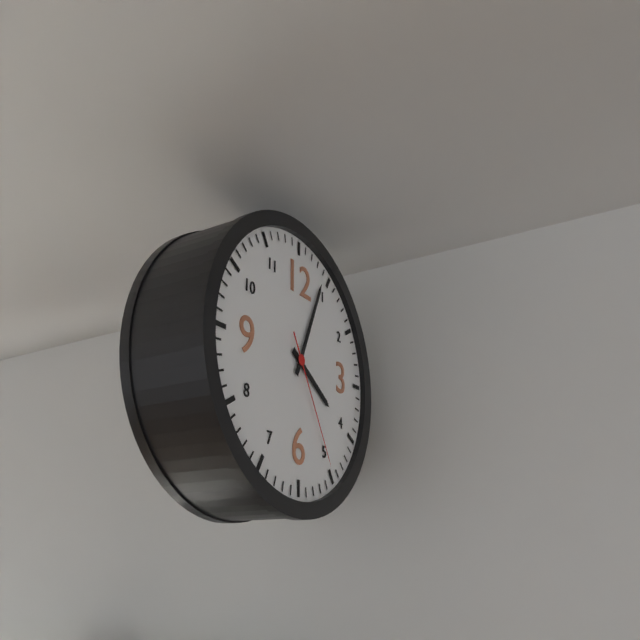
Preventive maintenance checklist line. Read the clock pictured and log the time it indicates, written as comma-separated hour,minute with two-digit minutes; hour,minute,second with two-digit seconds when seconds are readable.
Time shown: 4,04,25
